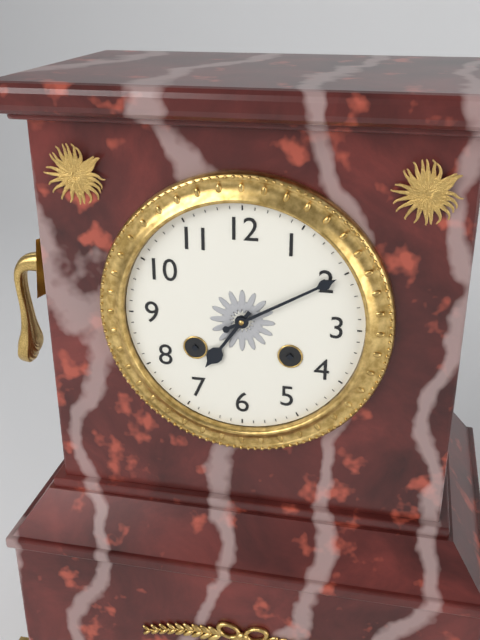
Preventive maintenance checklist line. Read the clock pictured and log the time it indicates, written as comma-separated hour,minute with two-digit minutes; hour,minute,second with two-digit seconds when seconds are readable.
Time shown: 7,10
